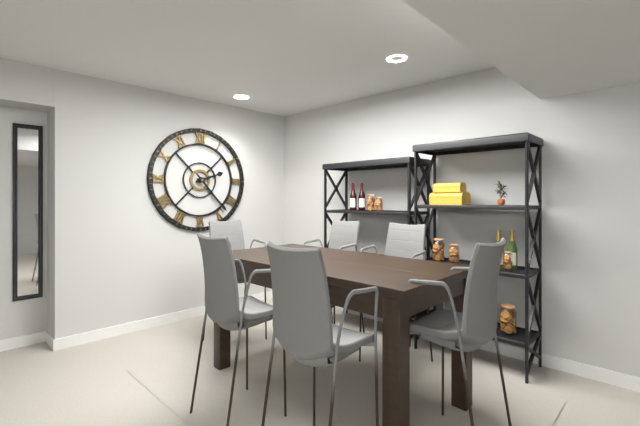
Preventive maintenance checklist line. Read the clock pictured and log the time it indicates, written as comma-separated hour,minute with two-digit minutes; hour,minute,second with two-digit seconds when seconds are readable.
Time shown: 2,23
